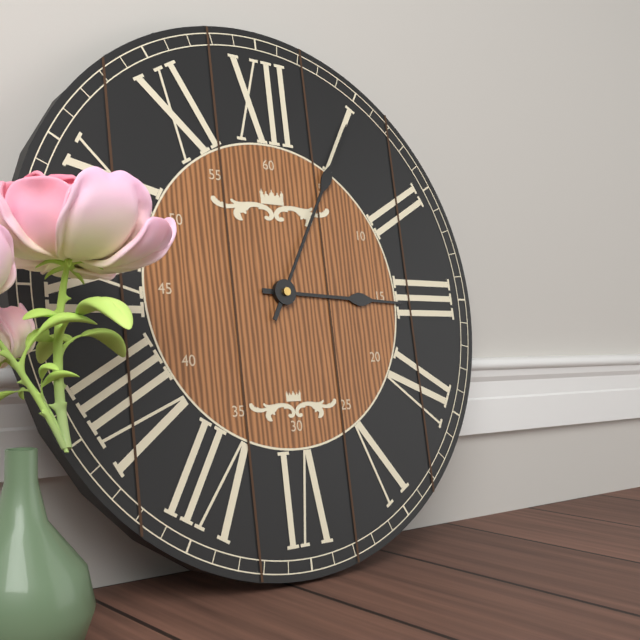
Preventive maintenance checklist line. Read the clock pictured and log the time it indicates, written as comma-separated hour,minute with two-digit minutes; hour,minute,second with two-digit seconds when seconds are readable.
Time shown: 3,05
